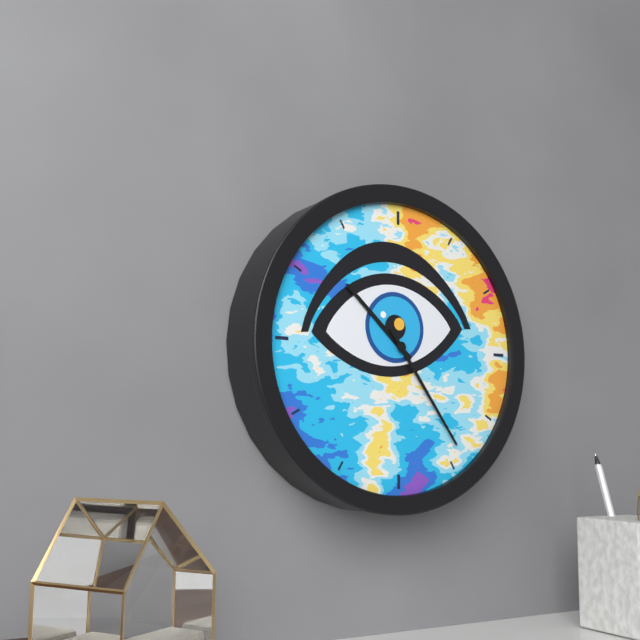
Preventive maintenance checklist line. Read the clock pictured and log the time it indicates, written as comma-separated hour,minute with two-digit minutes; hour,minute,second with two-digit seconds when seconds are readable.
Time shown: 10,24
